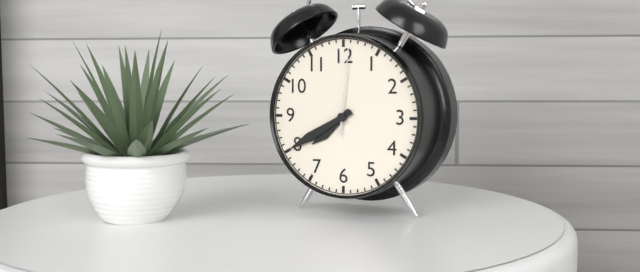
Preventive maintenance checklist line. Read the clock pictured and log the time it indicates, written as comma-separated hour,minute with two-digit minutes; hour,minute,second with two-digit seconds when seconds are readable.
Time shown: 7,40,01
